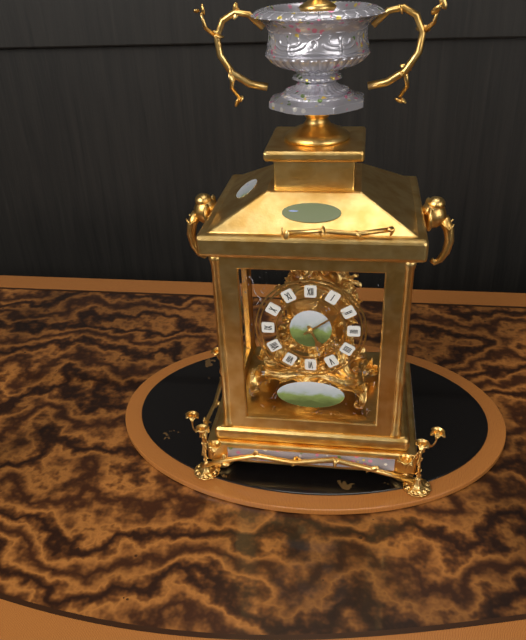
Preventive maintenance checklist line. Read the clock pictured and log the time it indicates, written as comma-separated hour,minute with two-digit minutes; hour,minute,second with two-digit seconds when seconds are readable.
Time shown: 5,09
